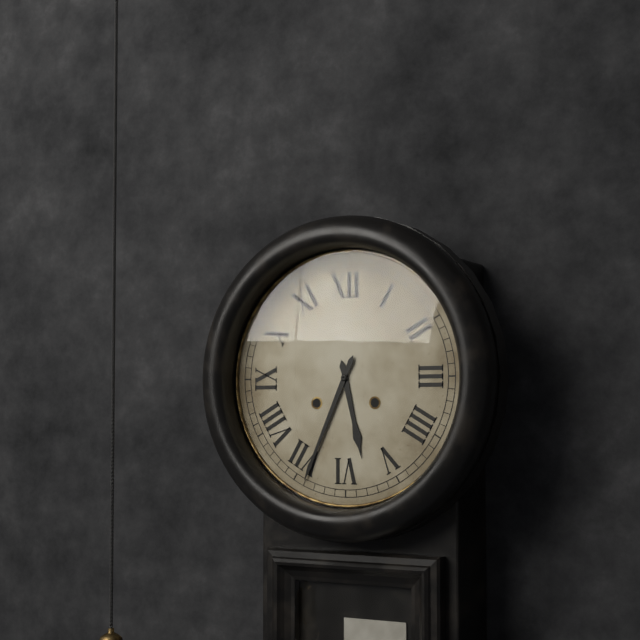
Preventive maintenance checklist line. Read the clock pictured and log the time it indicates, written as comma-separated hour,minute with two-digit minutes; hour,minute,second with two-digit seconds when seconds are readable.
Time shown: 5,34
